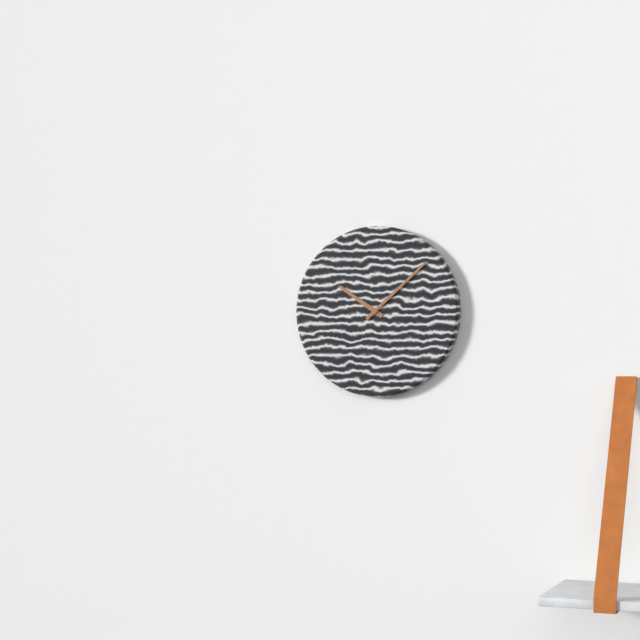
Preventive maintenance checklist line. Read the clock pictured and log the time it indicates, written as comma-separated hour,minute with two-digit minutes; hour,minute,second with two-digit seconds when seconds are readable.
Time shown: 10,08
